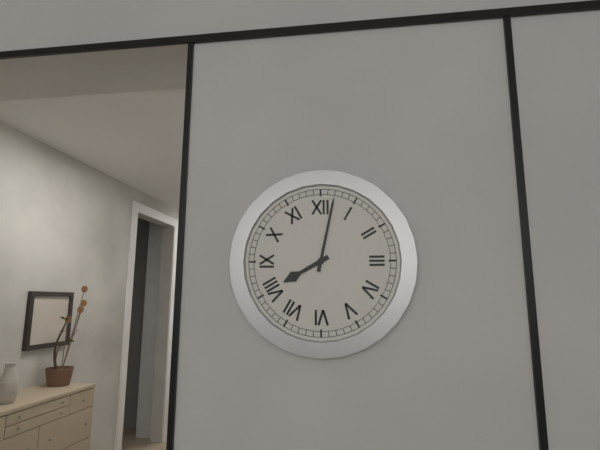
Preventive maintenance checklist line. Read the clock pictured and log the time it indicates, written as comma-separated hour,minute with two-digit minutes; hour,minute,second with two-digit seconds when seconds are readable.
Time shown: 8,02
